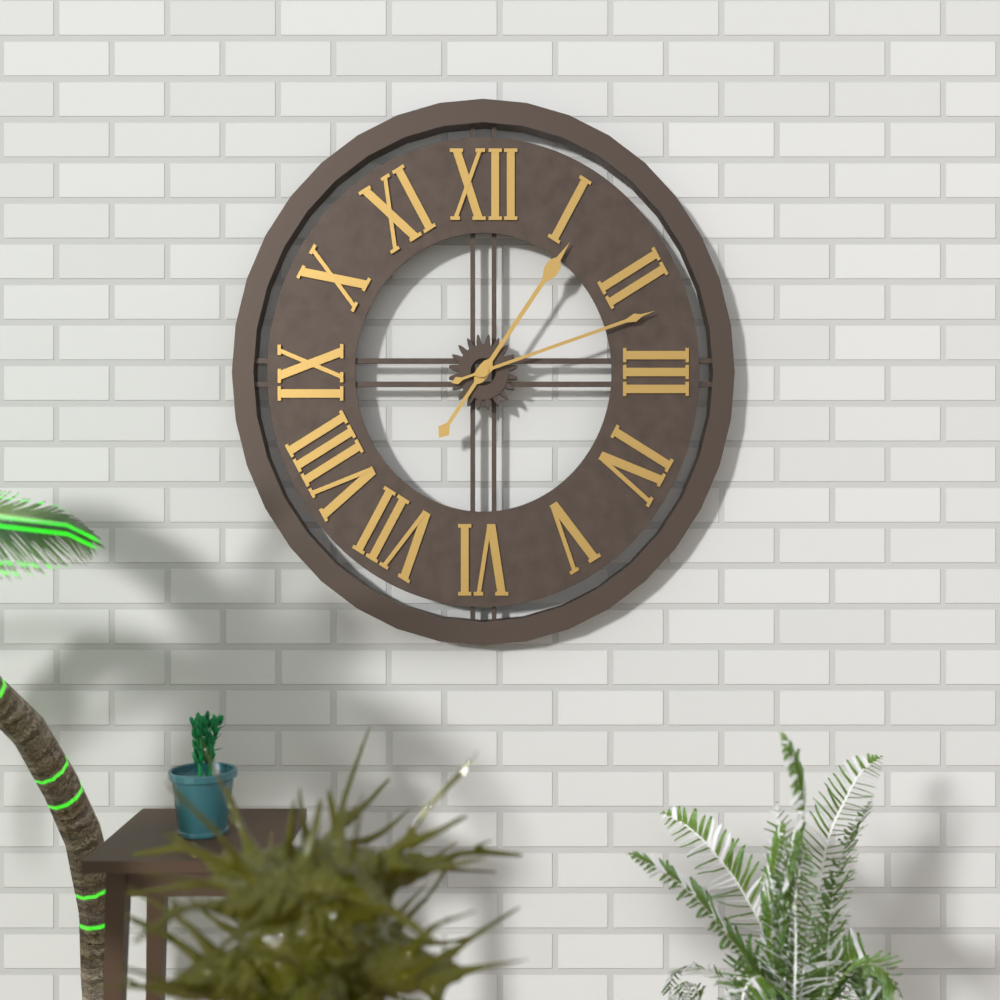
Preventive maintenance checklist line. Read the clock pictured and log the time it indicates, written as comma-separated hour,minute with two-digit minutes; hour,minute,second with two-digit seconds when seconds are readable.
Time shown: 1,12
